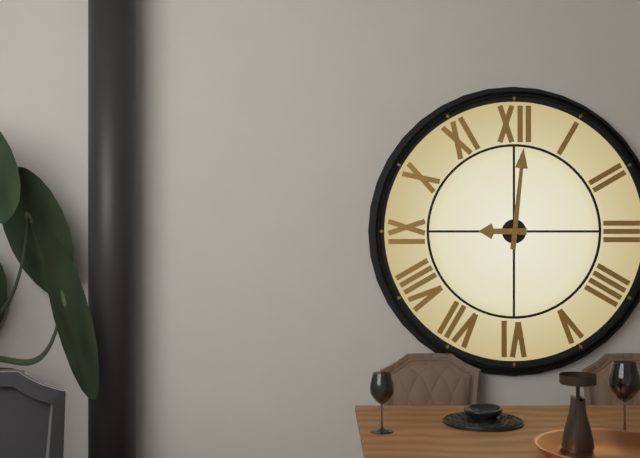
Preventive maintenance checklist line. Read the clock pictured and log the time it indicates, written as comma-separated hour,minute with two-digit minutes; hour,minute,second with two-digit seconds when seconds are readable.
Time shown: 9,01
